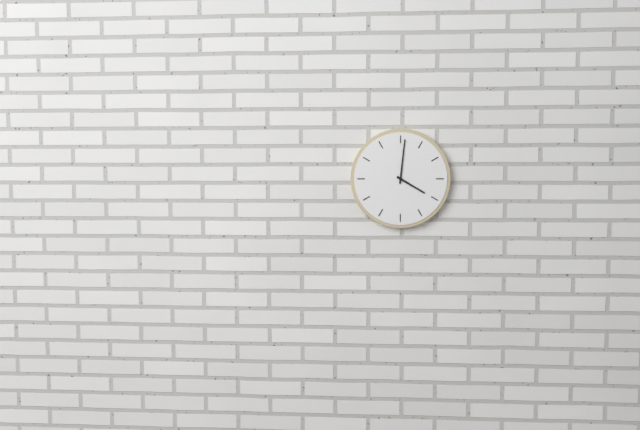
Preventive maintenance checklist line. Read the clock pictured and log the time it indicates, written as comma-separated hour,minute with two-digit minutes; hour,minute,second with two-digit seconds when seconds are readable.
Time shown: 4,01
